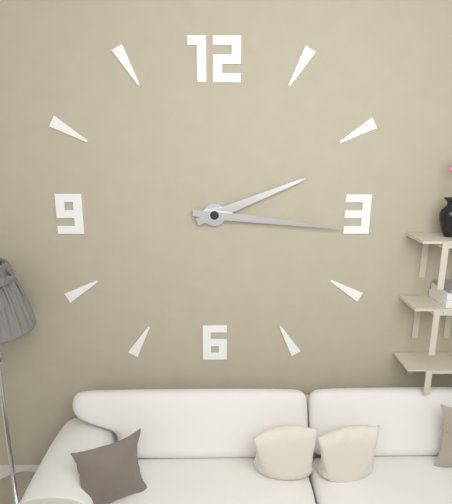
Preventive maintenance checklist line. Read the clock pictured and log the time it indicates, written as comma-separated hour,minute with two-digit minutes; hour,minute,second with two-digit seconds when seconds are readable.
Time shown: 2,16
